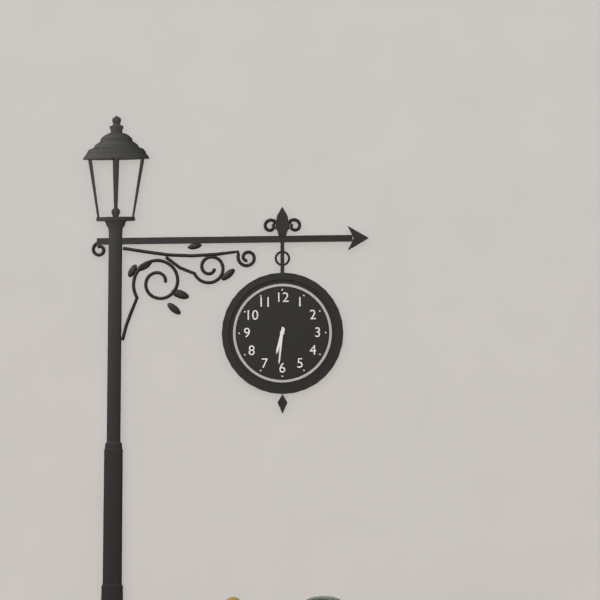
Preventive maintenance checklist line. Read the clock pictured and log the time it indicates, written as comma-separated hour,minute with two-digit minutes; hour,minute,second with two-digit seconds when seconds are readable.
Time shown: 6,31
